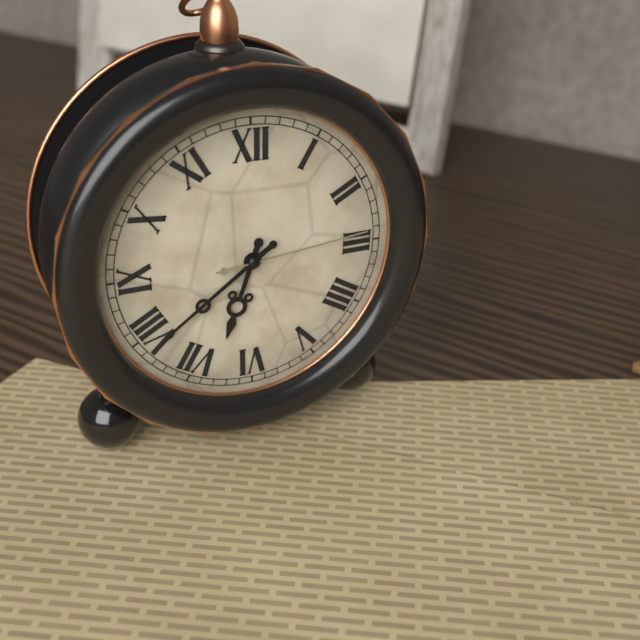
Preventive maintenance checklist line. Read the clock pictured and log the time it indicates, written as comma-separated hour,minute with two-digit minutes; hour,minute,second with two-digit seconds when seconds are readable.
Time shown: 6,39,14
